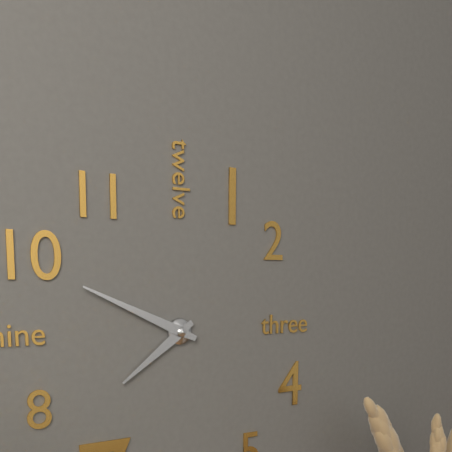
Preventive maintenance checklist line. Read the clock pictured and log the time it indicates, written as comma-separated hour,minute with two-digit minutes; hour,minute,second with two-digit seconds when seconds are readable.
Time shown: 7,49
